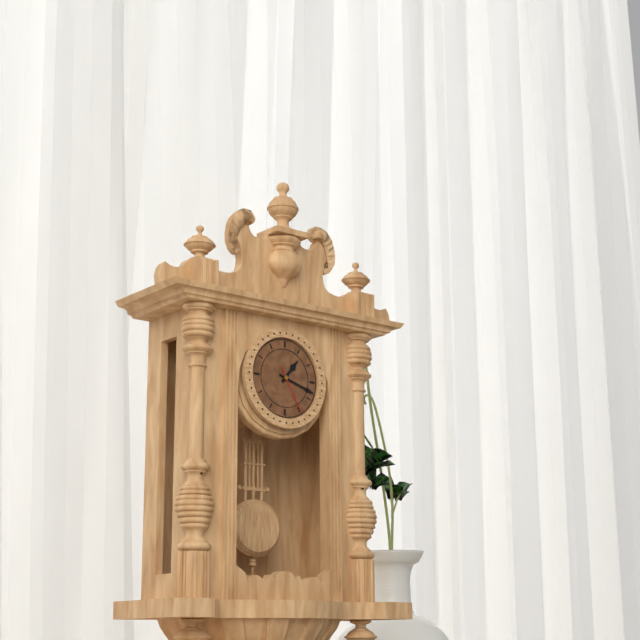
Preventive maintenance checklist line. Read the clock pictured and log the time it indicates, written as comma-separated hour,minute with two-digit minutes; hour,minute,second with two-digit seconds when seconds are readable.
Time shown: 1,18
